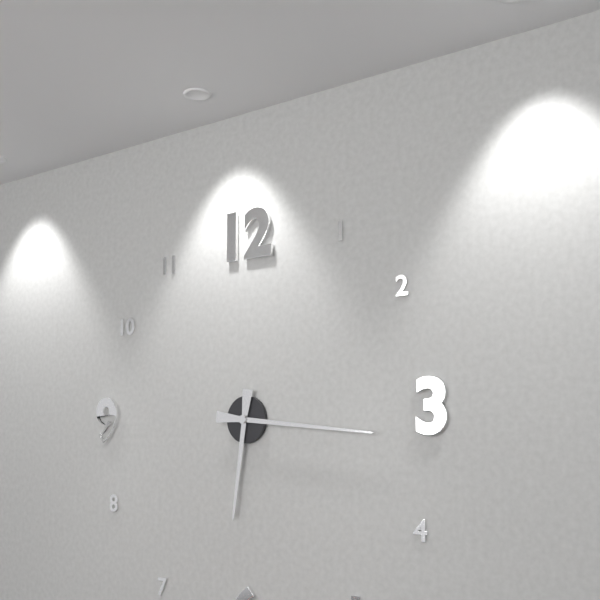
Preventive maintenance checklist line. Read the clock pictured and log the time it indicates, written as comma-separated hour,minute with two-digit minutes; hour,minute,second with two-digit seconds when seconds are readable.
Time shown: 6,16
